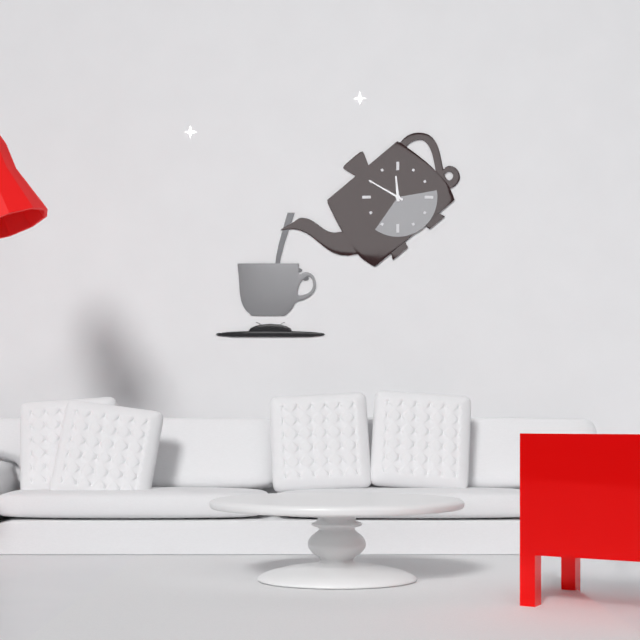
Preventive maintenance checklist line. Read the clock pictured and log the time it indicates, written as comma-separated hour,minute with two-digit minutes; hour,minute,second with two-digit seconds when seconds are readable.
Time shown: 11,50
